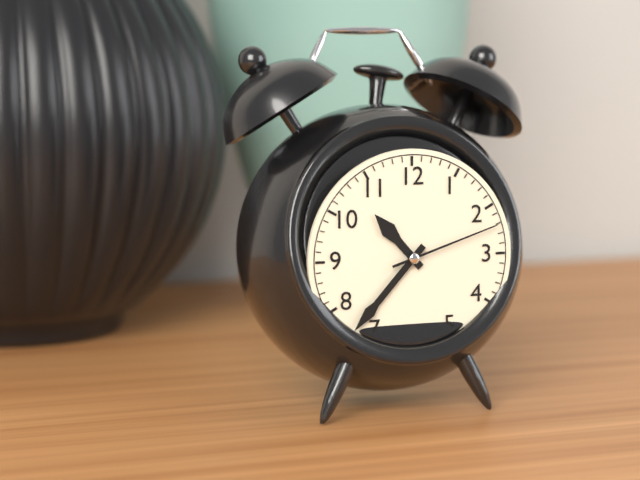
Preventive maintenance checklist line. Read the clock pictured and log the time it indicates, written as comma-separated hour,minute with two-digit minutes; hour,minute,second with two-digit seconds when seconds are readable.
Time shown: 10,37,12
